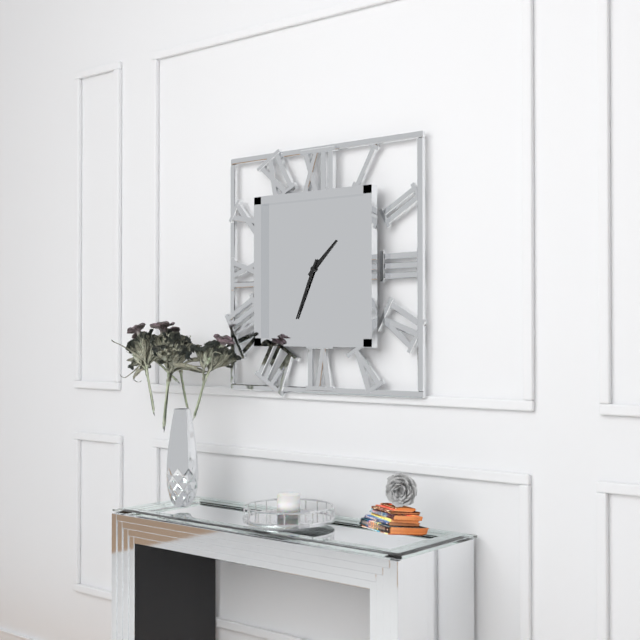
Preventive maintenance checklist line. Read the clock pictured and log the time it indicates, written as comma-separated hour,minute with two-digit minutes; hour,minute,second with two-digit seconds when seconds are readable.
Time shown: 1,34
